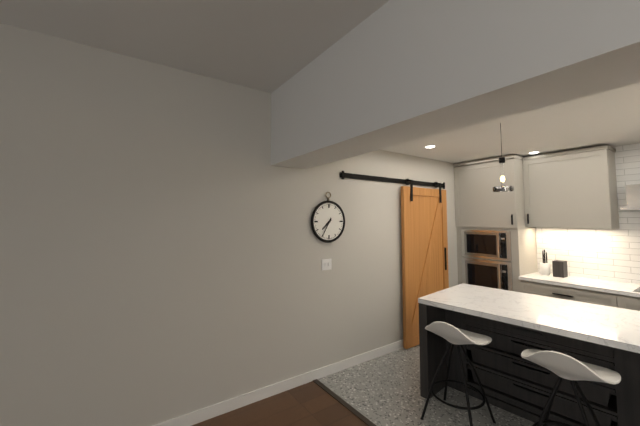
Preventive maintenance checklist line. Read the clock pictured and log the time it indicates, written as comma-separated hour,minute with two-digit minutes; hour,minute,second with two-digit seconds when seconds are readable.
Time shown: 7,35
